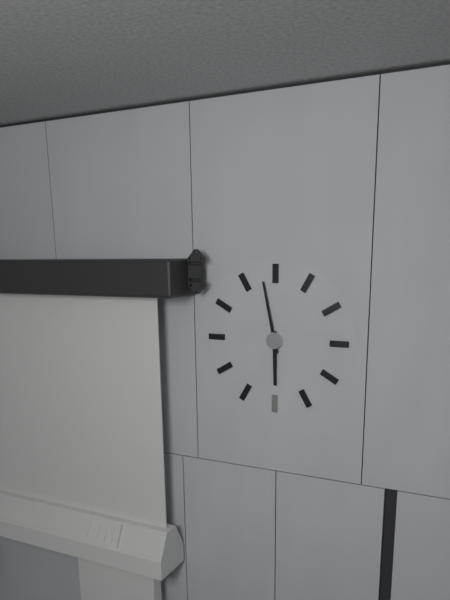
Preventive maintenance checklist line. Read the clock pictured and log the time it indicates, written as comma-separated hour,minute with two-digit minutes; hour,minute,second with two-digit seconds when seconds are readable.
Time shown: 5,58
